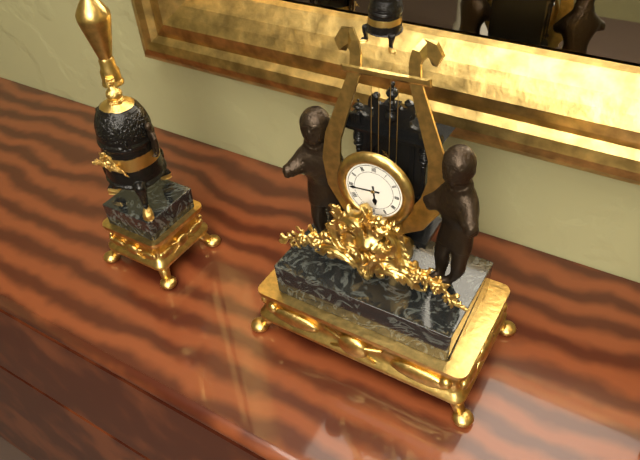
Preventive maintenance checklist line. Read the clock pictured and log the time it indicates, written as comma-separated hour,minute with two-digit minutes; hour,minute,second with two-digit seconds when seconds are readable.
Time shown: 5,44
